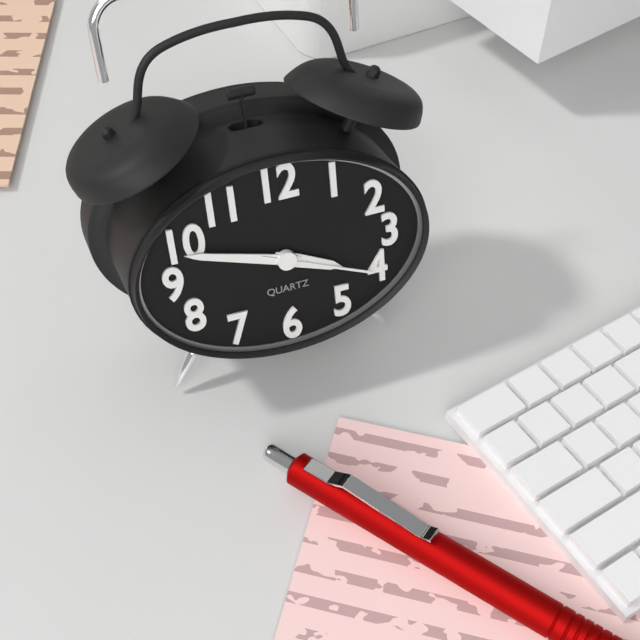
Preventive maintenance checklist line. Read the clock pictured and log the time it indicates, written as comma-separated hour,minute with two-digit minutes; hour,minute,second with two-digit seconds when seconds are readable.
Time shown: 3,48,19
